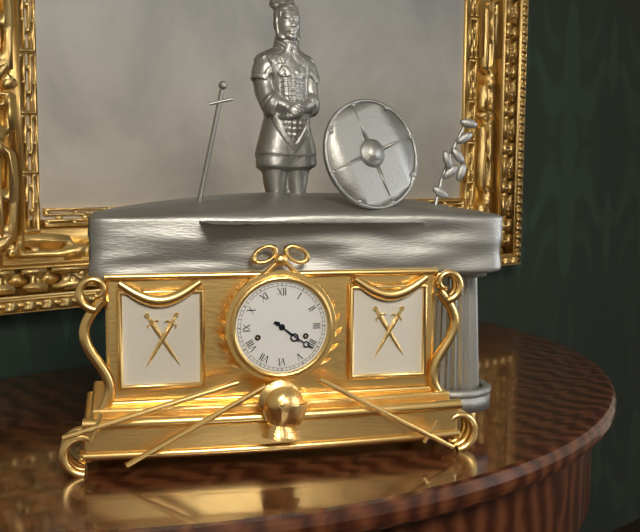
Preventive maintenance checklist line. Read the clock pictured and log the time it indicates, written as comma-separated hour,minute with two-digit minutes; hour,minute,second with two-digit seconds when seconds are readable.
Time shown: 4,21
